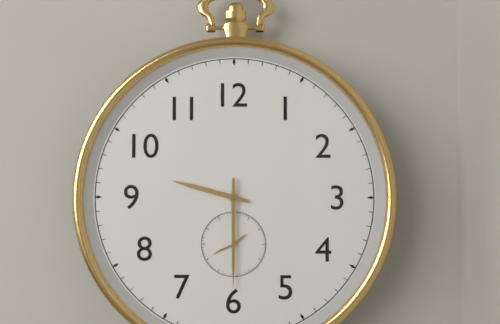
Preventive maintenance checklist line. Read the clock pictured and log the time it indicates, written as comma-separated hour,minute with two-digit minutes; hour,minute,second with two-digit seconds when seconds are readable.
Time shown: 9,30
